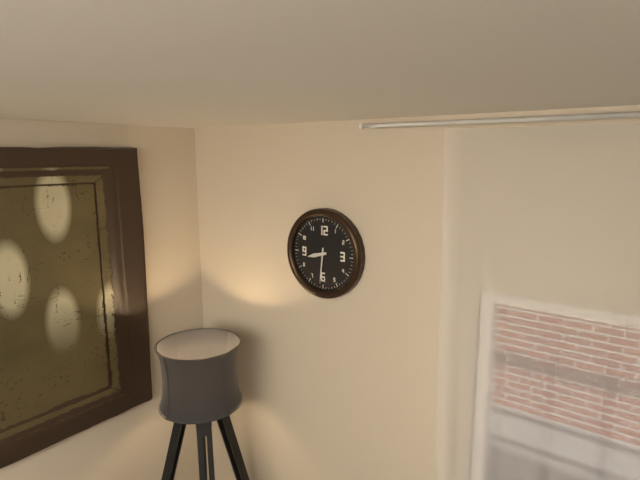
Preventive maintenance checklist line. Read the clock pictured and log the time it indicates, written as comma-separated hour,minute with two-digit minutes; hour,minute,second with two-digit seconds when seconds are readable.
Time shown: 8,31
